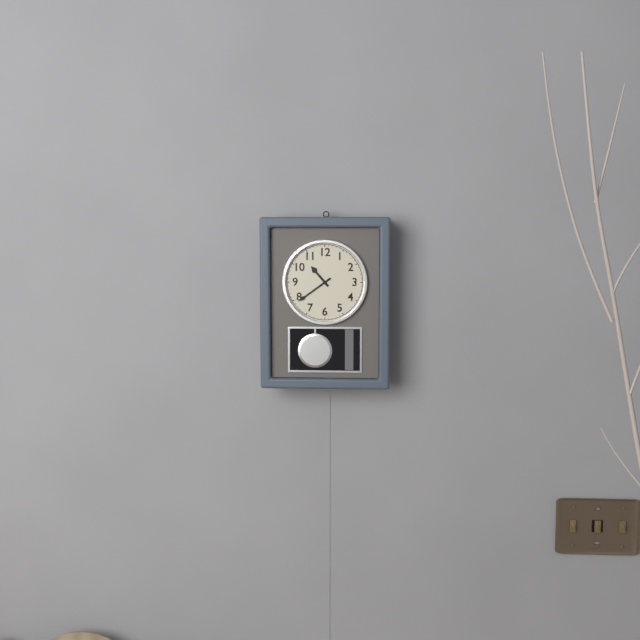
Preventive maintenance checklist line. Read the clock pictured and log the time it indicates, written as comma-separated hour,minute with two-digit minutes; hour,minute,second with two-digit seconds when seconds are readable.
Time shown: 10,39
